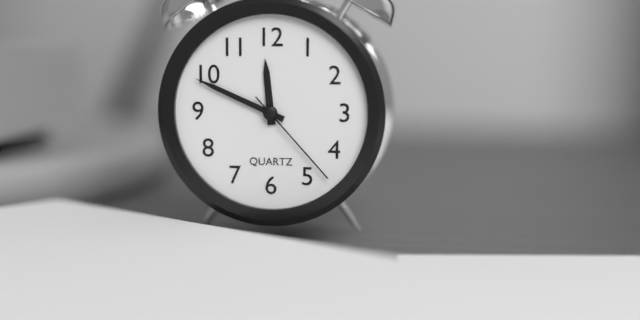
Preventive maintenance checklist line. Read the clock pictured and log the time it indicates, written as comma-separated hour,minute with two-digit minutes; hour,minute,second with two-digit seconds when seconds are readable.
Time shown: 11,49,23
